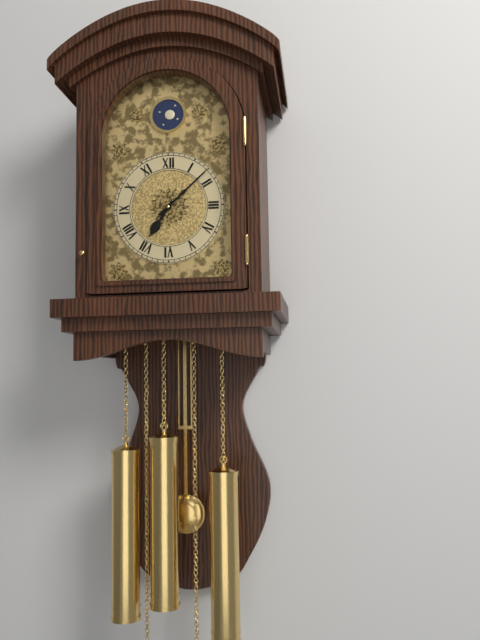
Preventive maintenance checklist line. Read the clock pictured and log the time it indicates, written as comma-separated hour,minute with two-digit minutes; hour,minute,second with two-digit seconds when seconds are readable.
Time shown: 7,08
